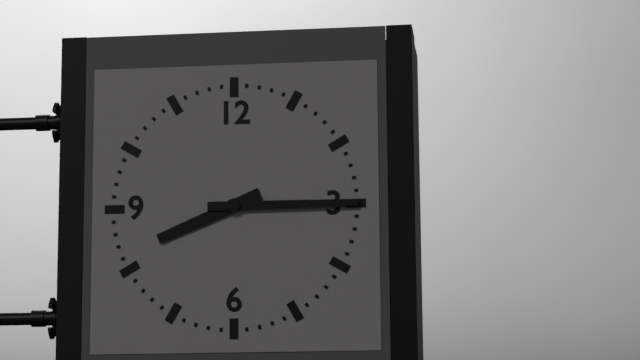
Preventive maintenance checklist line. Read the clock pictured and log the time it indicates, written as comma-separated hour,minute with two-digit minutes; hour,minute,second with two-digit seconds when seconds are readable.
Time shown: 8,15
